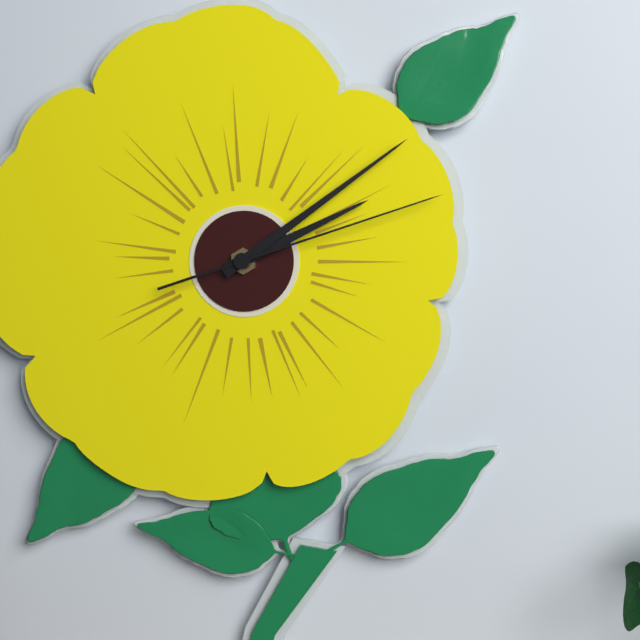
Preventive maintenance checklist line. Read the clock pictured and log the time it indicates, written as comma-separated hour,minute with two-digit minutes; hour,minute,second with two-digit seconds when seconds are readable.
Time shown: 2,09,12
